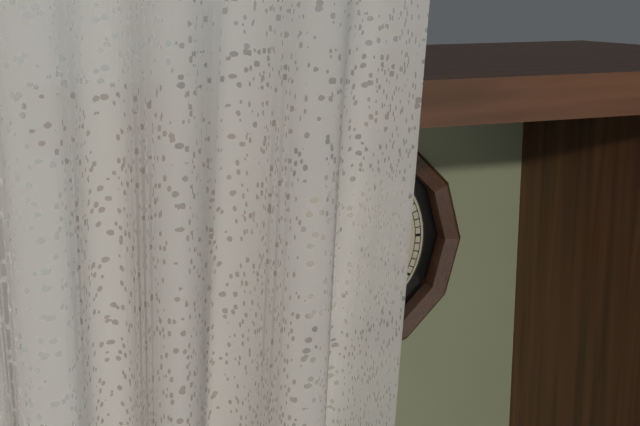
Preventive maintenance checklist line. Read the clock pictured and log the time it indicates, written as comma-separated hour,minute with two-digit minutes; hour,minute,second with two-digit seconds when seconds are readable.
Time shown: 11,20
